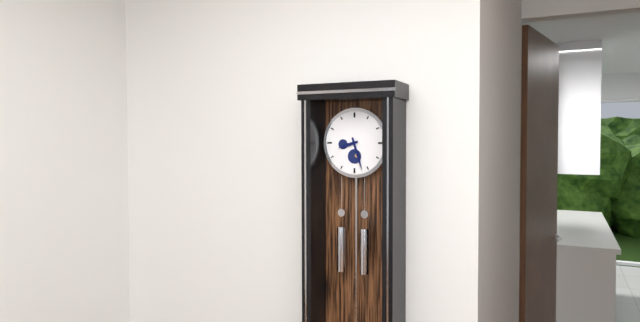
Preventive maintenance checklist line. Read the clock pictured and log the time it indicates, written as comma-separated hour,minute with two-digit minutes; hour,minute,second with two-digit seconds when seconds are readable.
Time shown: 8,27
